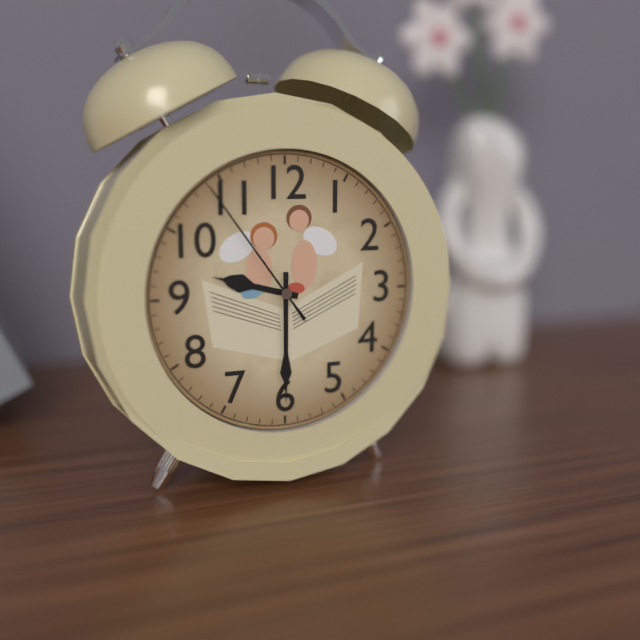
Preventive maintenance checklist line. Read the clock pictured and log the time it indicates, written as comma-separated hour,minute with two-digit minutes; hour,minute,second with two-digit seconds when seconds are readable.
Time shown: 9,30,54
